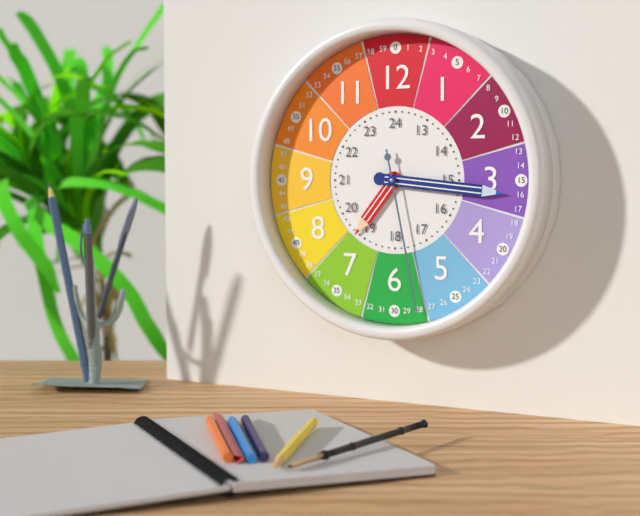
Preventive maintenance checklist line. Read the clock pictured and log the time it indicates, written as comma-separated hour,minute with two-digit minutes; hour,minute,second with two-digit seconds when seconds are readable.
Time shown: 7,16,28
